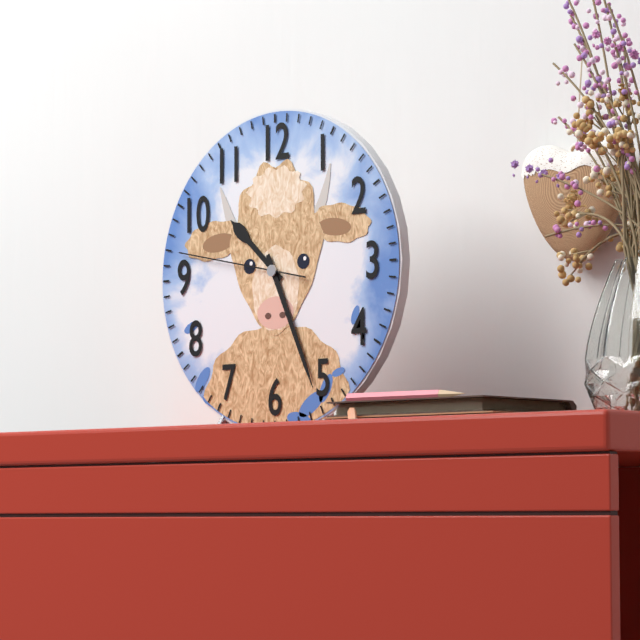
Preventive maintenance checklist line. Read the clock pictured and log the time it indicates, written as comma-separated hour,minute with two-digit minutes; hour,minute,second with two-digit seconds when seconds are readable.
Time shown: 10,26,47
